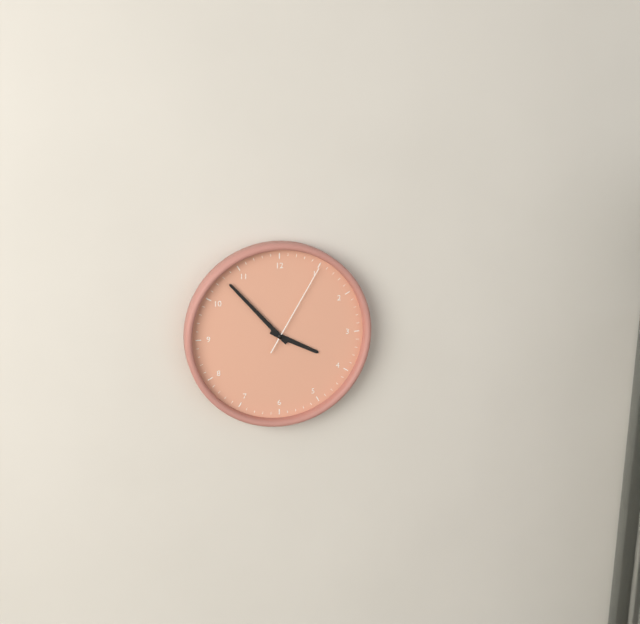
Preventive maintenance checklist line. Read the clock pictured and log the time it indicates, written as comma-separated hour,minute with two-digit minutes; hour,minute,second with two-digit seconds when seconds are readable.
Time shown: 3,53,05
